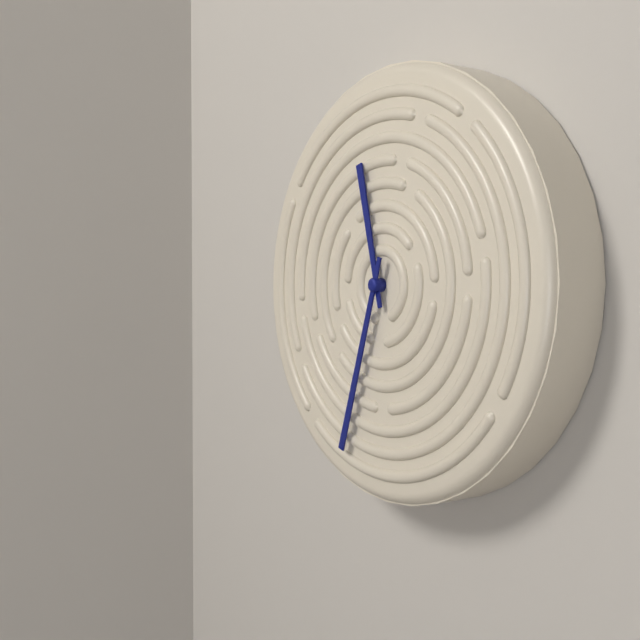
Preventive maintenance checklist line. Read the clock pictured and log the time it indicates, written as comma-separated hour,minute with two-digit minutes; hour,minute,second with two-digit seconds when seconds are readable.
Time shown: 11,33
